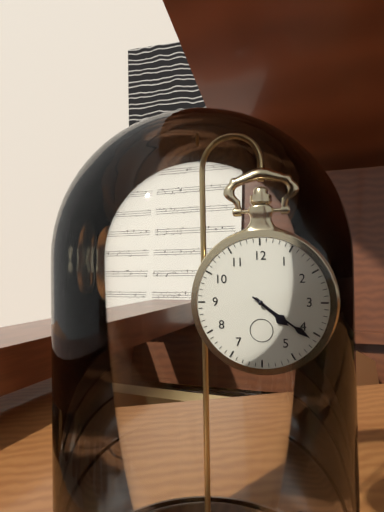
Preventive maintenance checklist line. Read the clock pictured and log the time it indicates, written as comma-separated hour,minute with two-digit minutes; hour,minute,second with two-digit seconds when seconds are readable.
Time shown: 4,21
